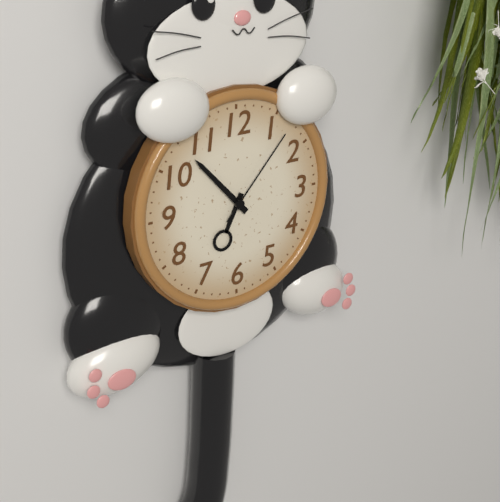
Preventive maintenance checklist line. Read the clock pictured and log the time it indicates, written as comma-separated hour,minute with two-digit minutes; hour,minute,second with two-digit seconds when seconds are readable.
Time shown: 6,53,07
